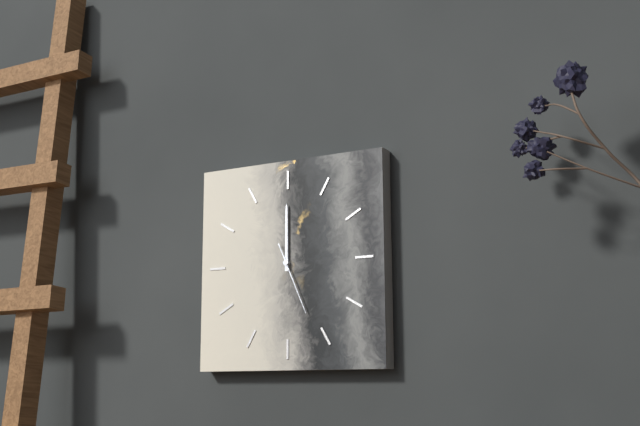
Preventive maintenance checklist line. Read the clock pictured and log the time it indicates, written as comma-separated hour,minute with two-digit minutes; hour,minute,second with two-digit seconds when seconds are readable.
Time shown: 12,00,26
